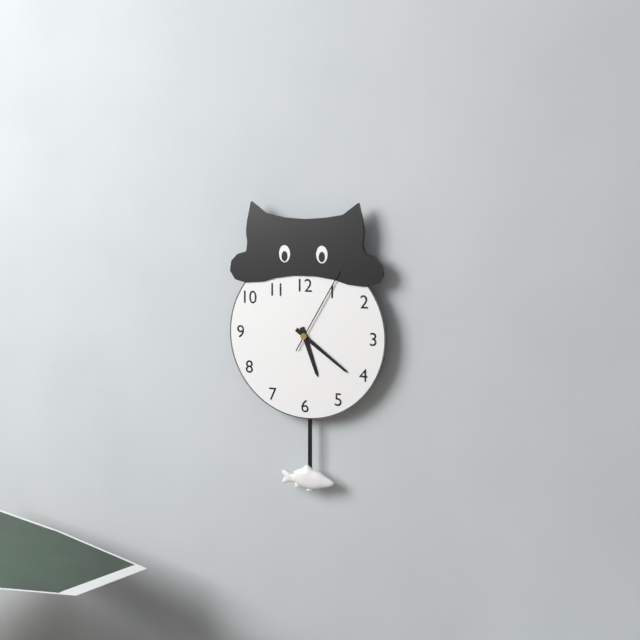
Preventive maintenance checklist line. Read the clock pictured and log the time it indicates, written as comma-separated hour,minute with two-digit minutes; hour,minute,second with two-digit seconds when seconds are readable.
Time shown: 5,21,05
